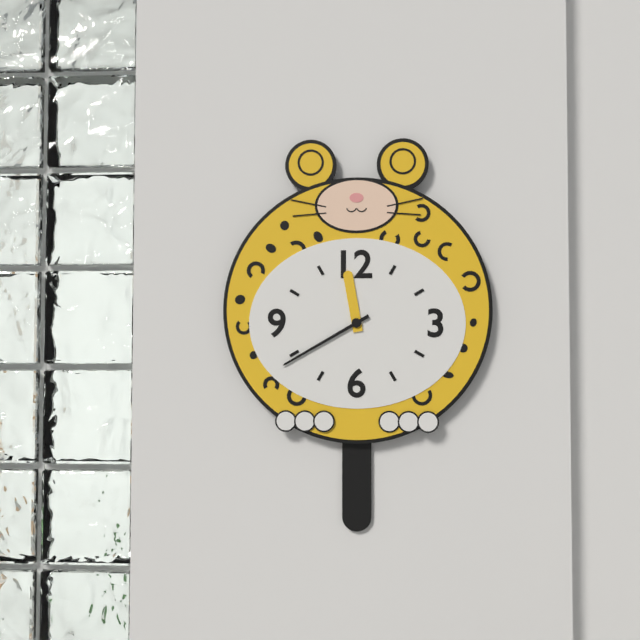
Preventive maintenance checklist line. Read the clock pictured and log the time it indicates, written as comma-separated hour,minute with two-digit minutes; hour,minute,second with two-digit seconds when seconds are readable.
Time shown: 11,40
